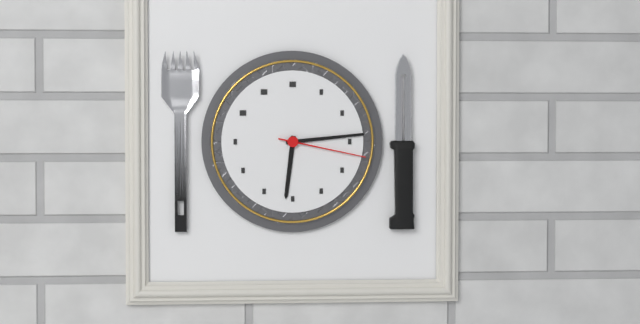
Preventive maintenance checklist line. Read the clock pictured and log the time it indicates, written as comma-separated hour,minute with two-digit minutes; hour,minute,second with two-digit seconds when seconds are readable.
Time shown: 6,14,17
